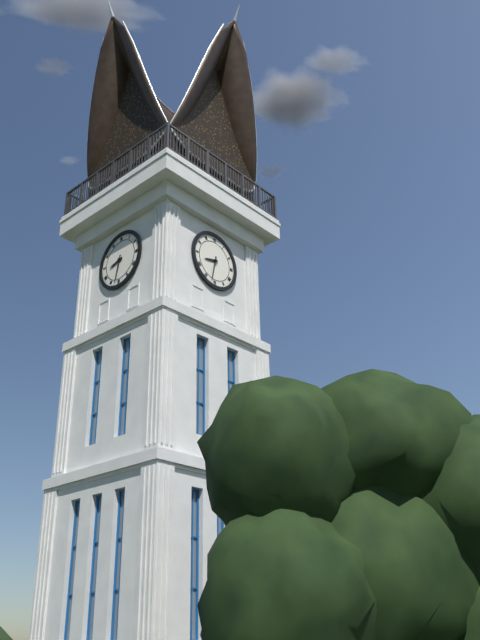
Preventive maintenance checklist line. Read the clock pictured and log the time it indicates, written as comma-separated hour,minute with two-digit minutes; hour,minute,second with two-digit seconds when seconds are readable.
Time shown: 8,32
